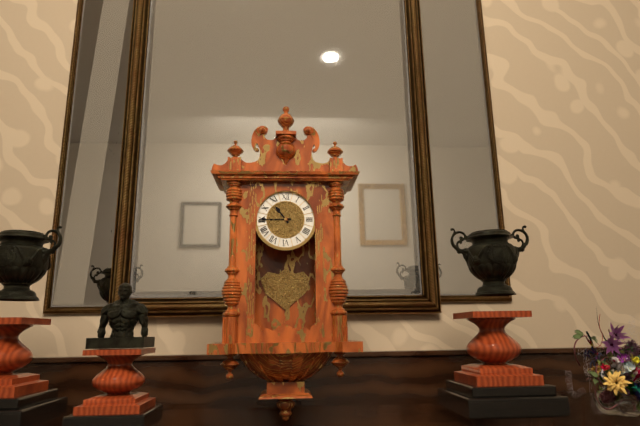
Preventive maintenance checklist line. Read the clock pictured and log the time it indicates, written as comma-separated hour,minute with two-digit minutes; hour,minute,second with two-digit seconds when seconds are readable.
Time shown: 10,45
